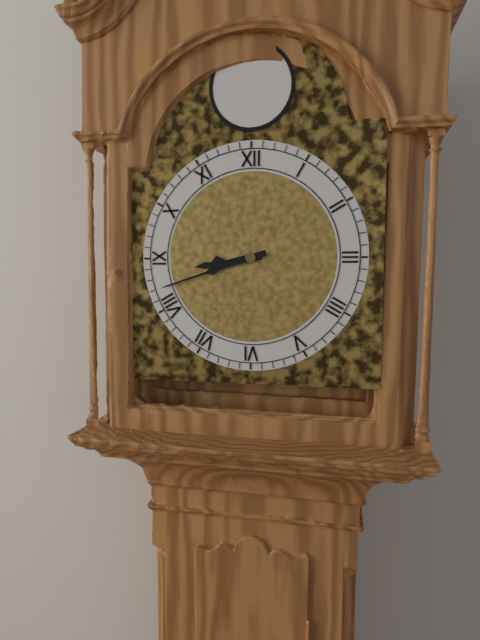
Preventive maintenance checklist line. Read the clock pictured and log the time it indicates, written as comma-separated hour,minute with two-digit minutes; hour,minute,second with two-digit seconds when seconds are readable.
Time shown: 8,42
